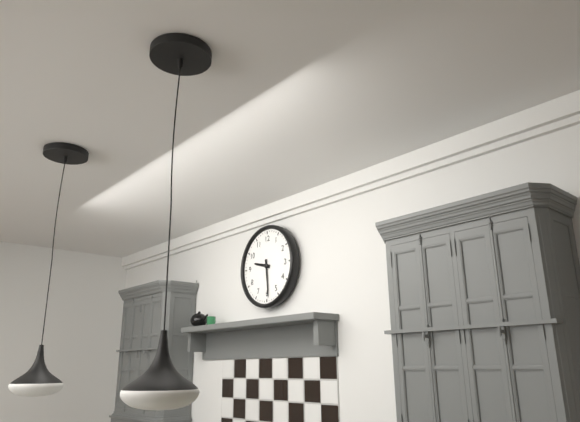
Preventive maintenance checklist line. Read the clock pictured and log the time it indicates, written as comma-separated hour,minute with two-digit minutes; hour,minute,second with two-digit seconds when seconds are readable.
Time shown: 9,29
